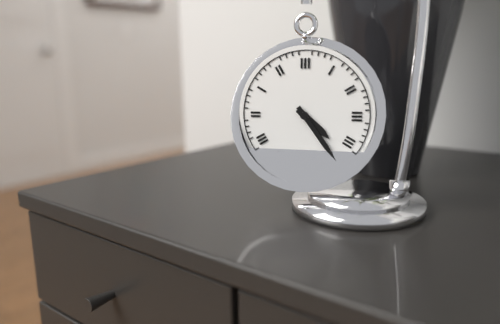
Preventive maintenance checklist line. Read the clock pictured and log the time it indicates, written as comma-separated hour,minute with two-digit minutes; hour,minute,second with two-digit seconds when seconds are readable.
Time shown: 4,24
